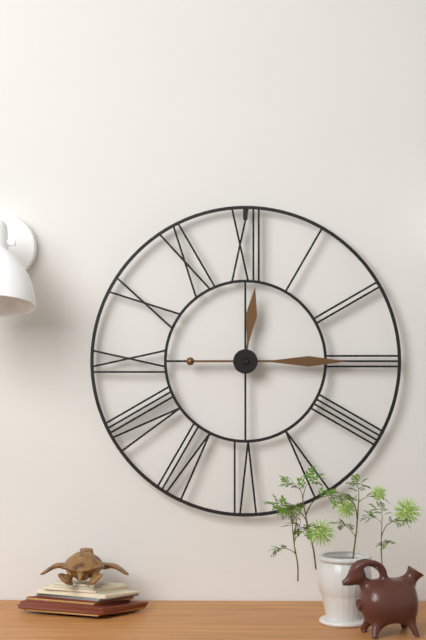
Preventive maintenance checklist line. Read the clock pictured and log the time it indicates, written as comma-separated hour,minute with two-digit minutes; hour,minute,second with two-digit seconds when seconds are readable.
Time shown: 12,15
